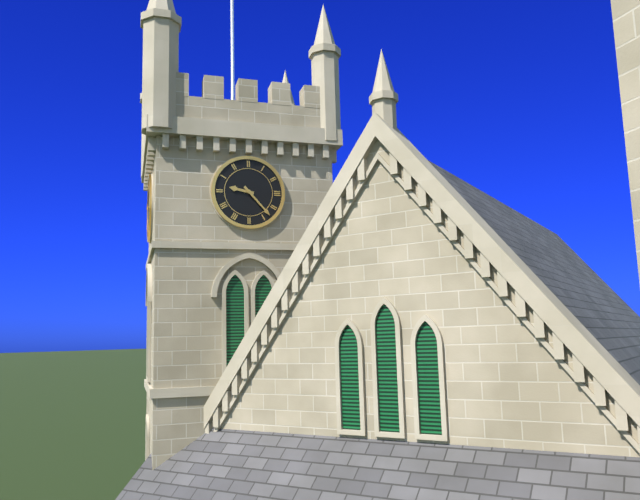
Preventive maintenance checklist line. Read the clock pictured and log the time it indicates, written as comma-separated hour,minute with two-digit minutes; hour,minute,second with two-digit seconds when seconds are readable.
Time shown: 9,23
